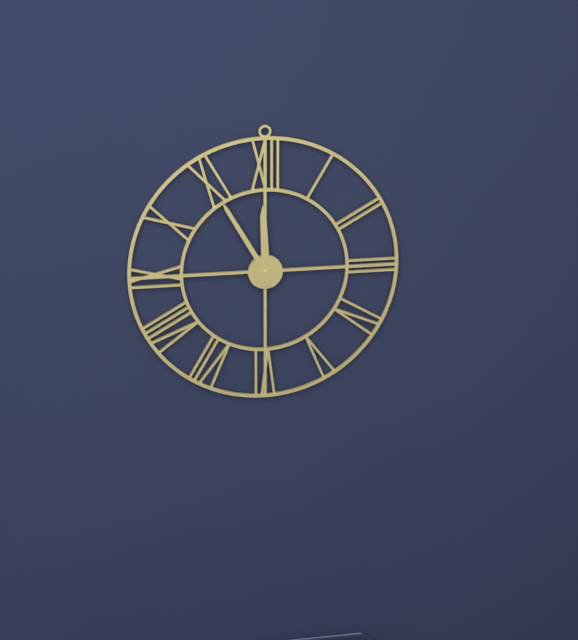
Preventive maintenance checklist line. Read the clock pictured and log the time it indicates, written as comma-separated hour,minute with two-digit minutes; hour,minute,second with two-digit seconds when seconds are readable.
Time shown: 11,55
